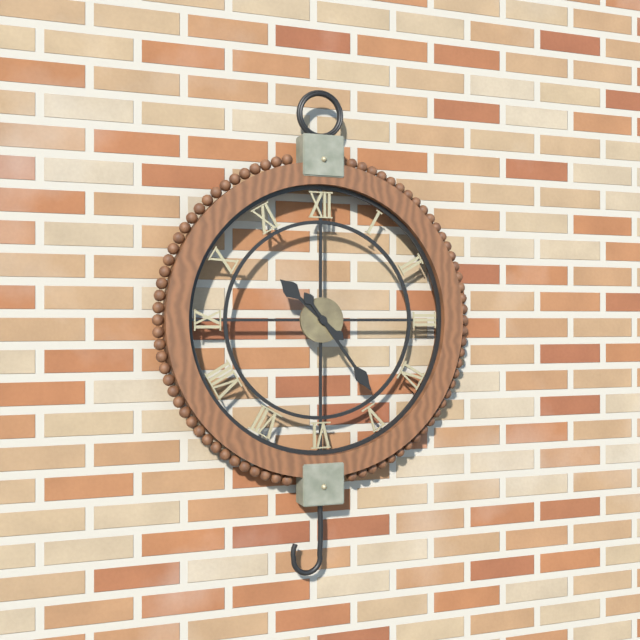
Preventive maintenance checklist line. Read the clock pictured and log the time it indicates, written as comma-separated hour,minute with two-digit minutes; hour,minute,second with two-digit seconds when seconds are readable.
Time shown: 10,24
